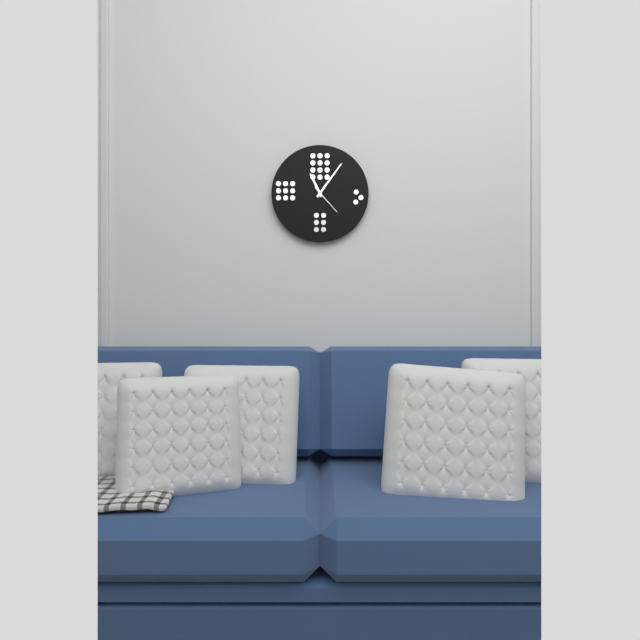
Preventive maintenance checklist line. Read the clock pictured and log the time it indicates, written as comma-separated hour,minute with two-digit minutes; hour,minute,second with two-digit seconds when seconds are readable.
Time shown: 11,06
